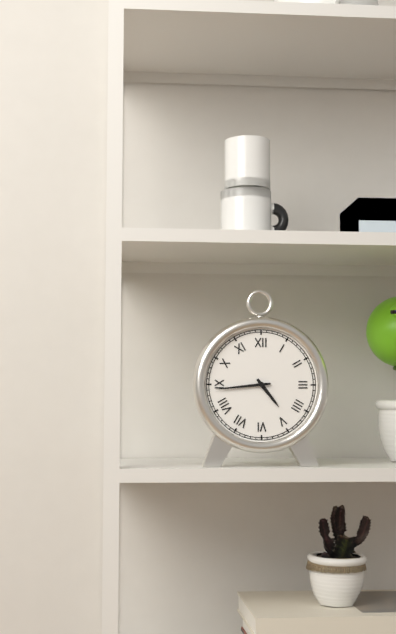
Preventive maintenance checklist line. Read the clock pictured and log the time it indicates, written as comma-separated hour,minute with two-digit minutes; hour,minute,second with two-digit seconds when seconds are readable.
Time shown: 4,44
